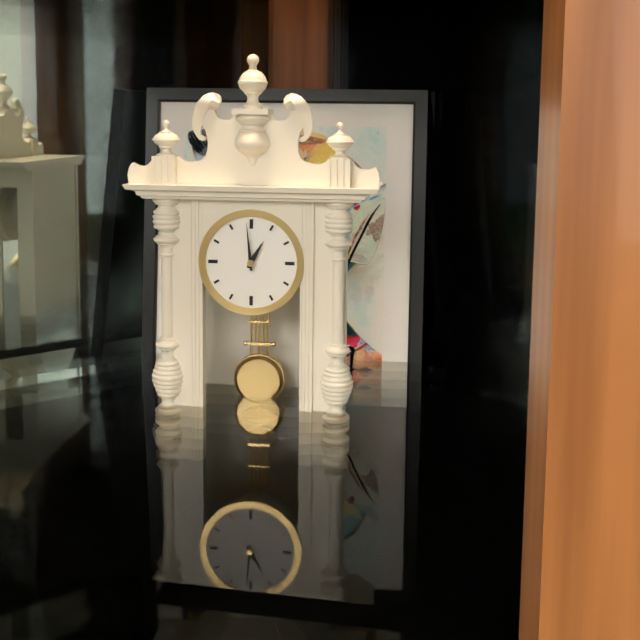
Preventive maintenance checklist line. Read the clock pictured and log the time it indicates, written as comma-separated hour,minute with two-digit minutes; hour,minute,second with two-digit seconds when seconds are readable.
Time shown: 12,59
